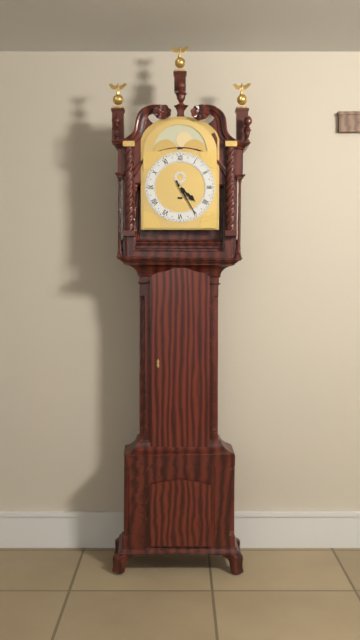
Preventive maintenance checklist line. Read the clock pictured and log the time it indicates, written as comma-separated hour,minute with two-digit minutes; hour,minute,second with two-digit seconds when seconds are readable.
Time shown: 4,25
